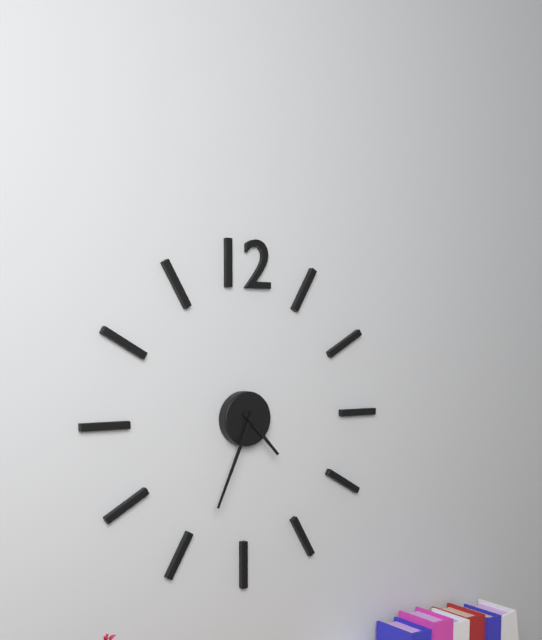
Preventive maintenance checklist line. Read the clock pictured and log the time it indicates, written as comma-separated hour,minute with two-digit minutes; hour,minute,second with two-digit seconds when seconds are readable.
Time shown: 4,34
